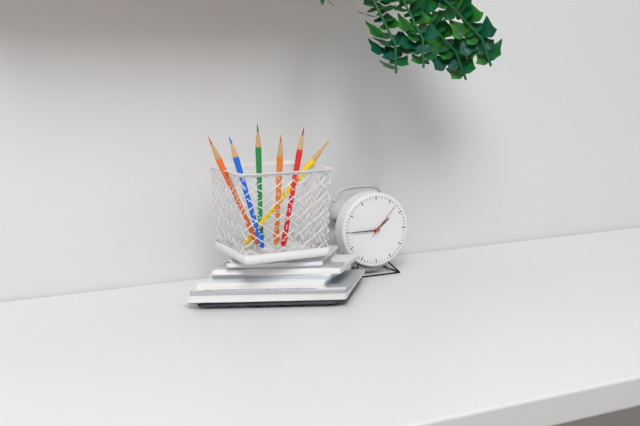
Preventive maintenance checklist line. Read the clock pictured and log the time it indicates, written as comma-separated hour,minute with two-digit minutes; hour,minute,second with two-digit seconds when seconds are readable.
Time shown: 1,45
